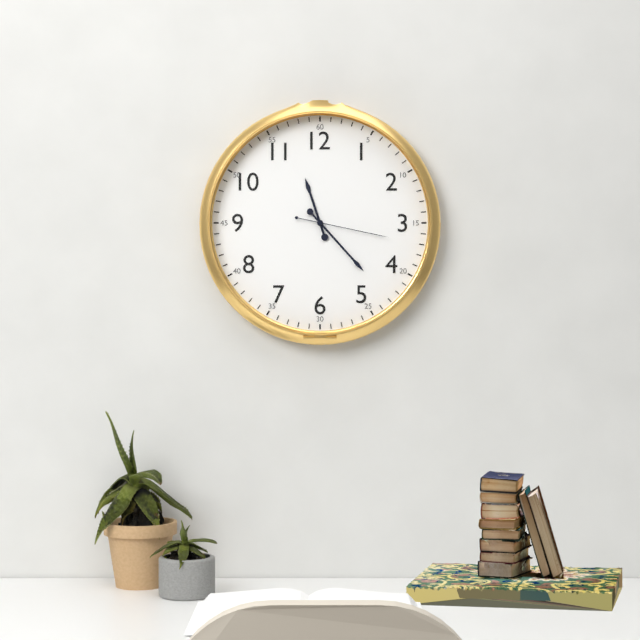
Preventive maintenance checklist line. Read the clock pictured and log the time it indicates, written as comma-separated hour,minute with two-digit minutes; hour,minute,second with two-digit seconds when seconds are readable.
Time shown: 11,23,17
